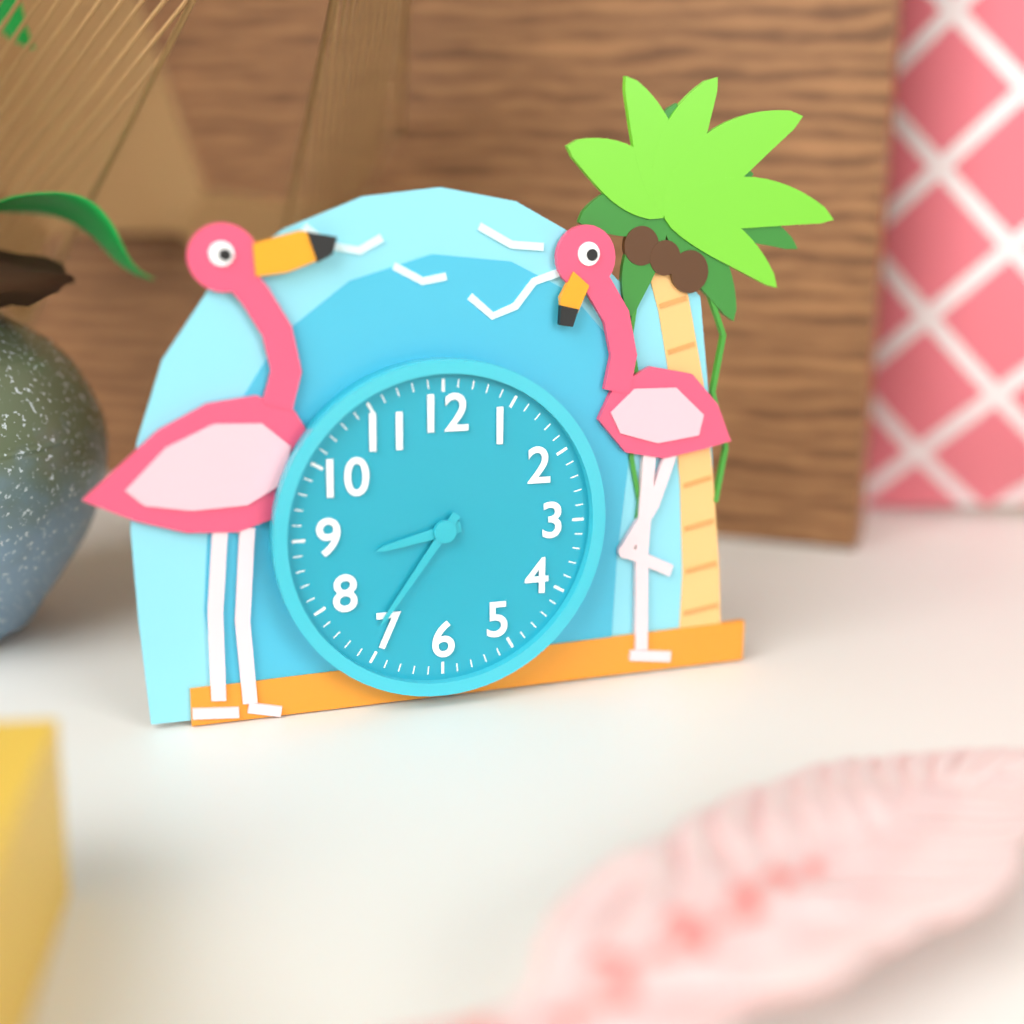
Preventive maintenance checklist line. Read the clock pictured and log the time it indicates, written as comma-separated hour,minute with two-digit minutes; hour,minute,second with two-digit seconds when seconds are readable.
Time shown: 8,36
